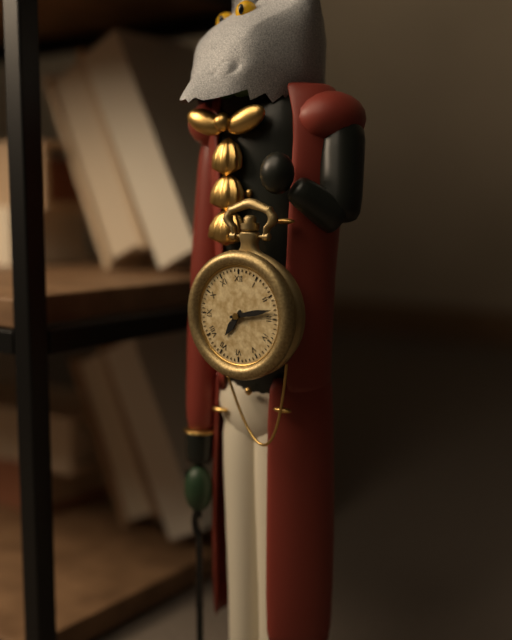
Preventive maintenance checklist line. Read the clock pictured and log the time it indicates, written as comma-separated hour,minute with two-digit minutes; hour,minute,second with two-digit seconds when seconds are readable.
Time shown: 7,13
